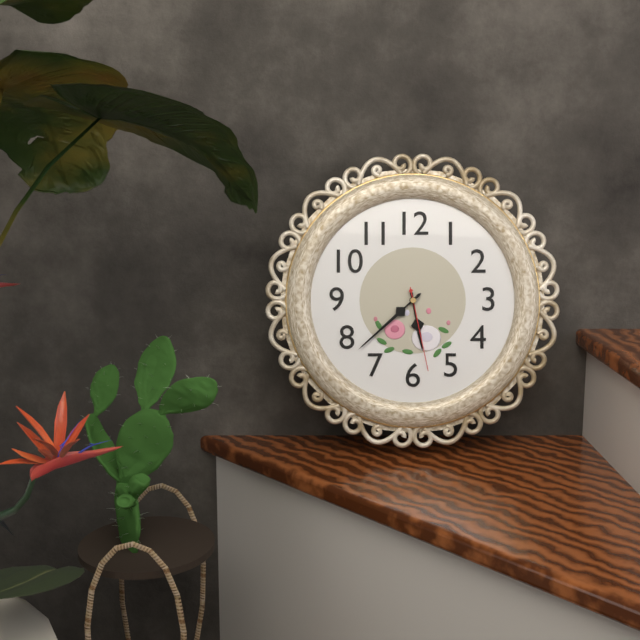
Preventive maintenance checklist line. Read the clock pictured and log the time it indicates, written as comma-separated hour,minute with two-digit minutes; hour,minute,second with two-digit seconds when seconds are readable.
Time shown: 5,38,28
